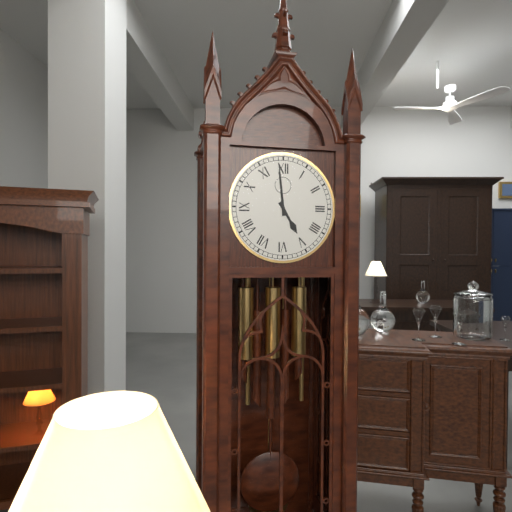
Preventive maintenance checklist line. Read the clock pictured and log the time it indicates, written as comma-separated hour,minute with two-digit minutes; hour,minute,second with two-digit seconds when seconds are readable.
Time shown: 4,59
